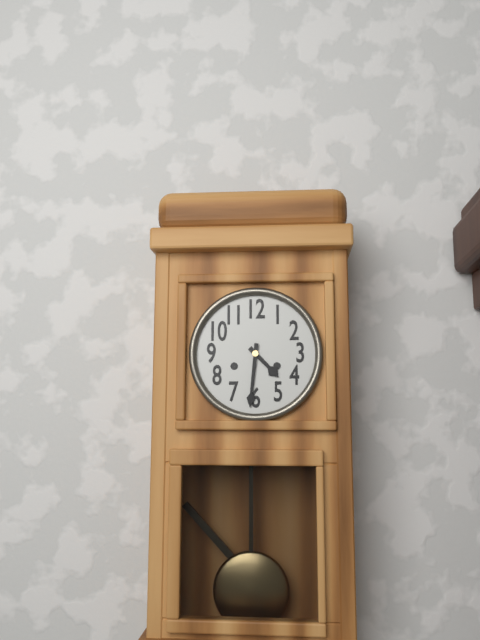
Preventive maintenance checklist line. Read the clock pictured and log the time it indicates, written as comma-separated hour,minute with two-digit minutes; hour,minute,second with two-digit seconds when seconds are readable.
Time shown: 4,31
